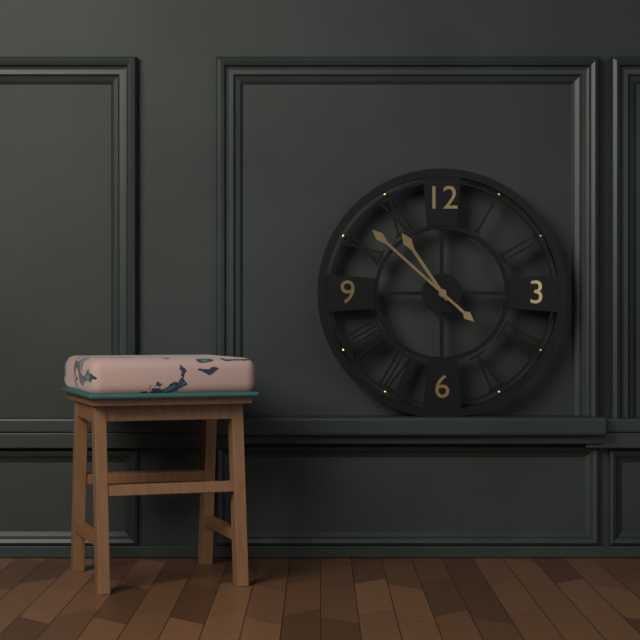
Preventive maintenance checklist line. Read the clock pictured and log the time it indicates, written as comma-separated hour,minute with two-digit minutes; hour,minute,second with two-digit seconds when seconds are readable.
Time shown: 10,52
